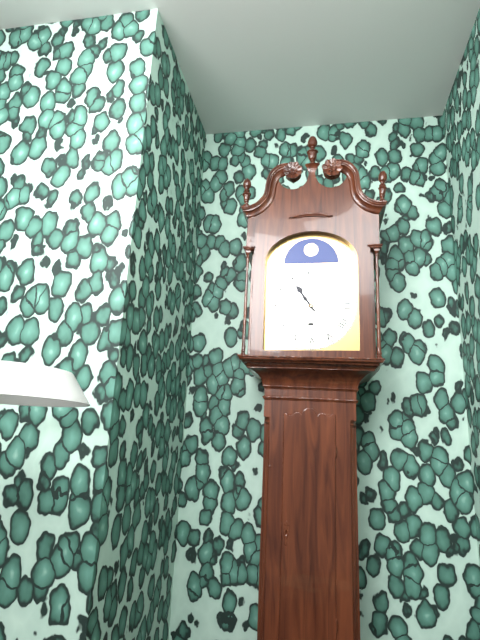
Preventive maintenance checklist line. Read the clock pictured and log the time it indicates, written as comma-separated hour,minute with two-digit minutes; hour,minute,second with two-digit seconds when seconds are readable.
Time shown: 10,54
